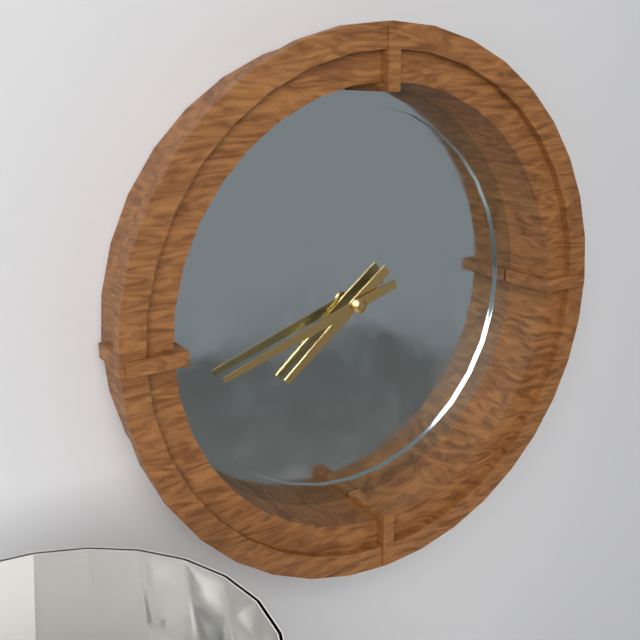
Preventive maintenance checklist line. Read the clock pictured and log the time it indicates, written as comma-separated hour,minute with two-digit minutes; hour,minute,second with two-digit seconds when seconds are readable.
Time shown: 7,42
